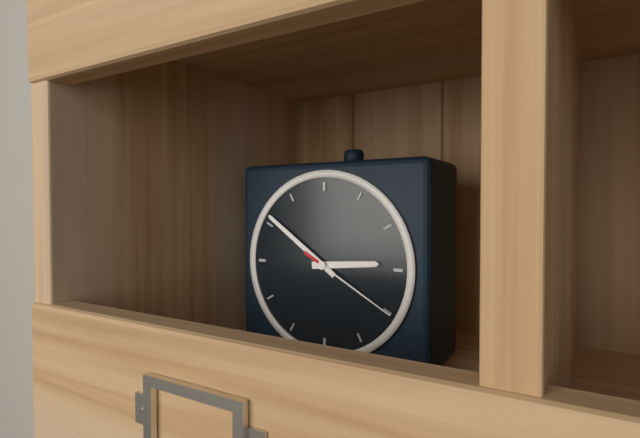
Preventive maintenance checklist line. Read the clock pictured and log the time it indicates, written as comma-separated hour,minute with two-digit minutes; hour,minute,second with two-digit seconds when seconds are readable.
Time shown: 2,51,20
